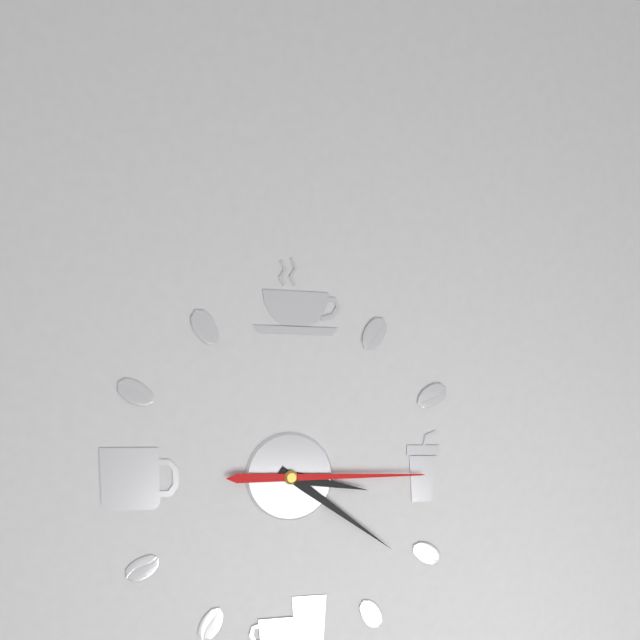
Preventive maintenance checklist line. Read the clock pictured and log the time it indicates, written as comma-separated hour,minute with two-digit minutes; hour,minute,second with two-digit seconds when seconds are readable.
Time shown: 3,21,15
